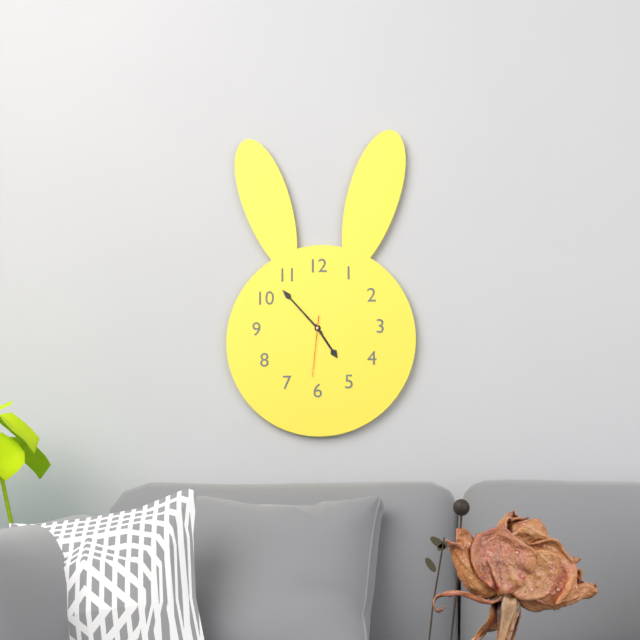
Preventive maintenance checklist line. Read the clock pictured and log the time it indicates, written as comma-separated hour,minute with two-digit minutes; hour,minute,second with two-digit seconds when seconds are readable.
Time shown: 4,53,31
